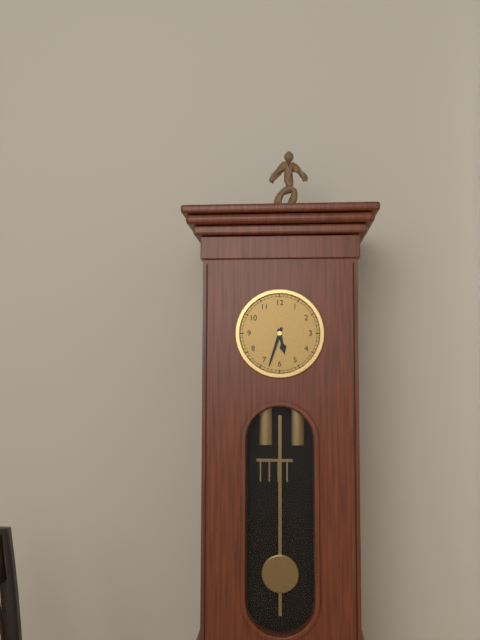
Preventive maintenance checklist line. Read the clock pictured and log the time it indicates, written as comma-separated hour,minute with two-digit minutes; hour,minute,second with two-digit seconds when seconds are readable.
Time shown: 5,33
